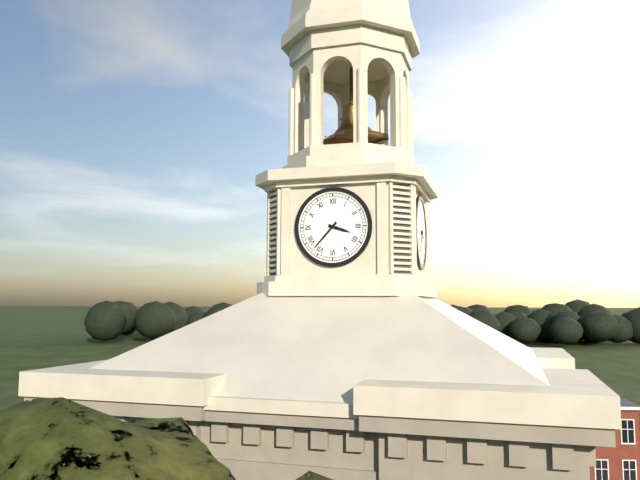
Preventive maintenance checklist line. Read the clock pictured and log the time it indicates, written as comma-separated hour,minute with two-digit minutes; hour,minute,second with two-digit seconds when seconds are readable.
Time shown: 3,37
